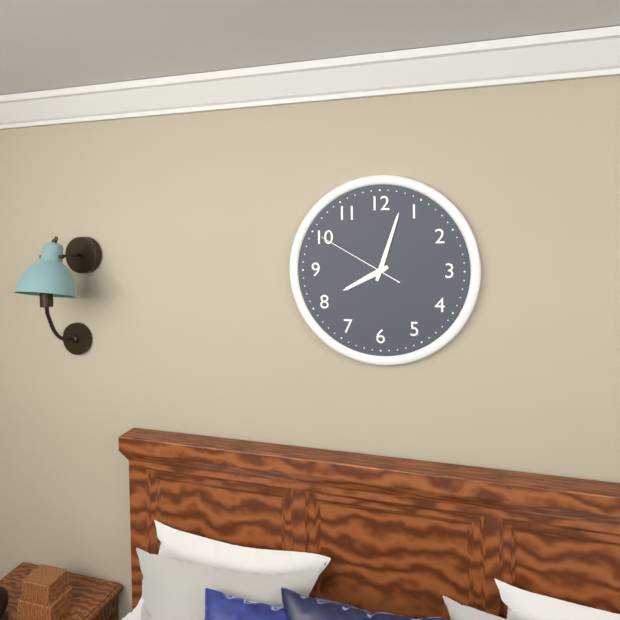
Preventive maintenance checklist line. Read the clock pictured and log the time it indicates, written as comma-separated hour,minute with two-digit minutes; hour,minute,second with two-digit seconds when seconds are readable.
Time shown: 8,03,50
